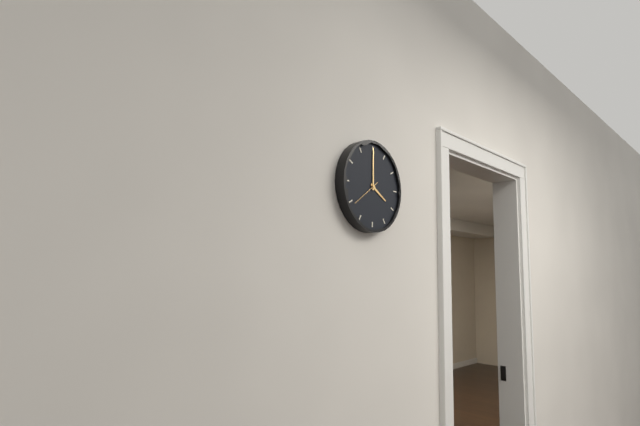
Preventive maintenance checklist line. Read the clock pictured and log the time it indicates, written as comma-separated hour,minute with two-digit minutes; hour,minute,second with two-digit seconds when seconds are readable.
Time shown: 4,00
